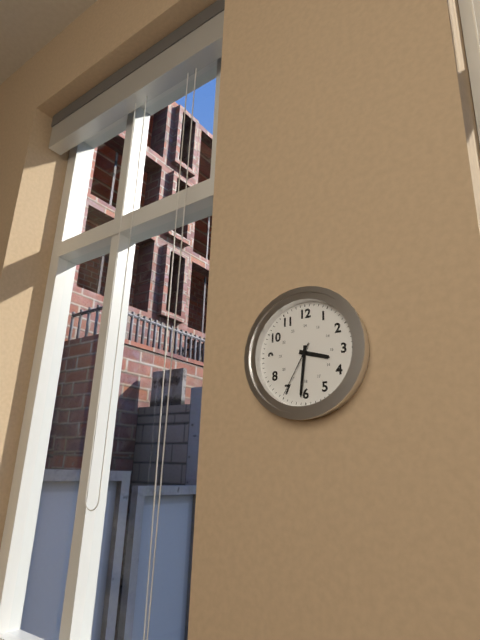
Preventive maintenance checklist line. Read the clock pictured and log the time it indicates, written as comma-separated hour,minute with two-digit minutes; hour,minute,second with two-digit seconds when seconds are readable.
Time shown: 3,31,35
